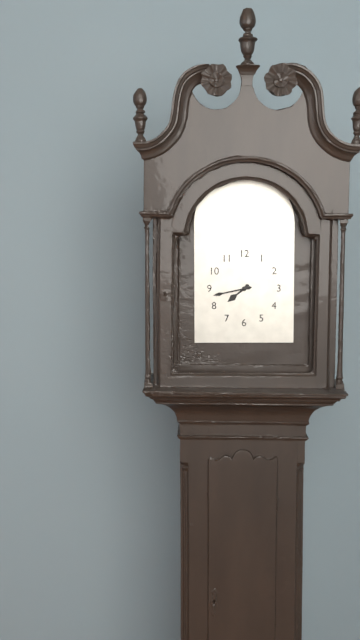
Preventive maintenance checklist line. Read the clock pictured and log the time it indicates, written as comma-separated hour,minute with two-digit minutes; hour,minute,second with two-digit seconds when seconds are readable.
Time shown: 7,43
